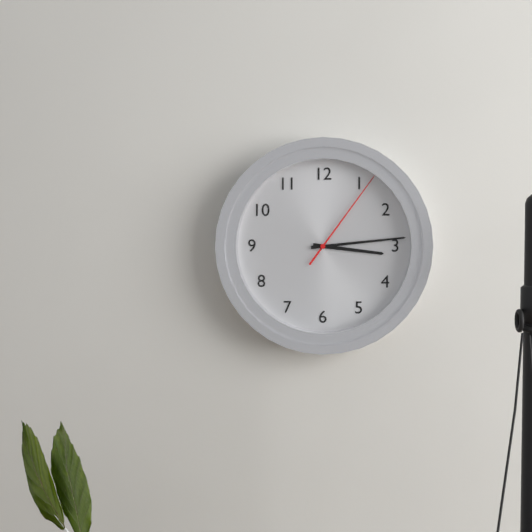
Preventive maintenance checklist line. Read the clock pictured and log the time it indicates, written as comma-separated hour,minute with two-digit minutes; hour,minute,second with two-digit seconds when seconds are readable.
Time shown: 3,14,06
